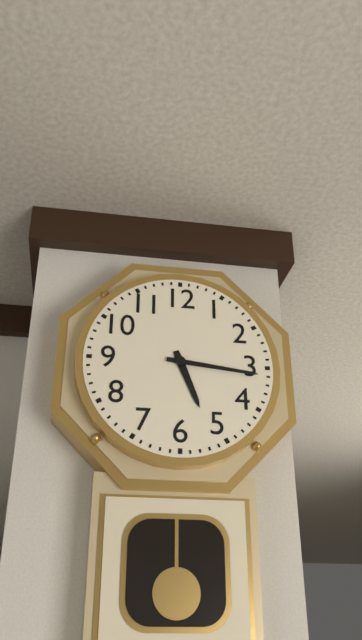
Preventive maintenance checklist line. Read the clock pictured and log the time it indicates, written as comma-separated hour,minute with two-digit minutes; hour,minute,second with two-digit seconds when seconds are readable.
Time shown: 5,16
